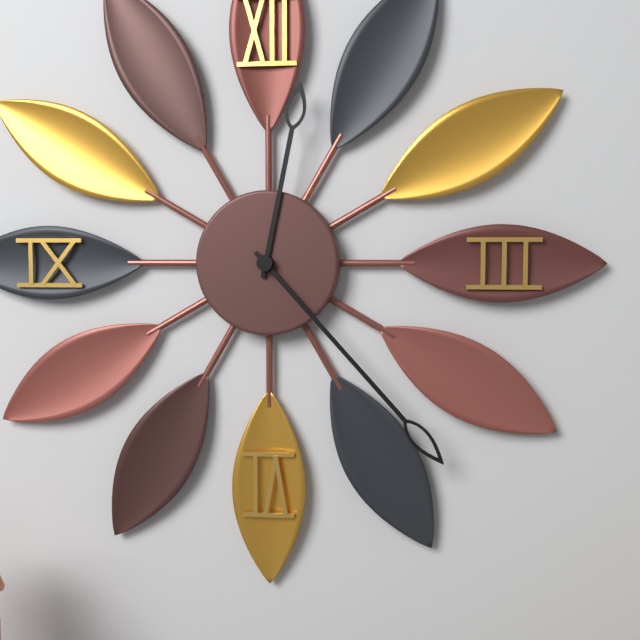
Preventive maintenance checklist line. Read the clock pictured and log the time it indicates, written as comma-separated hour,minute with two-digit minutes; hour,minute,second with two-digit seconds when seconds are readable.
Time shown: 12,23
